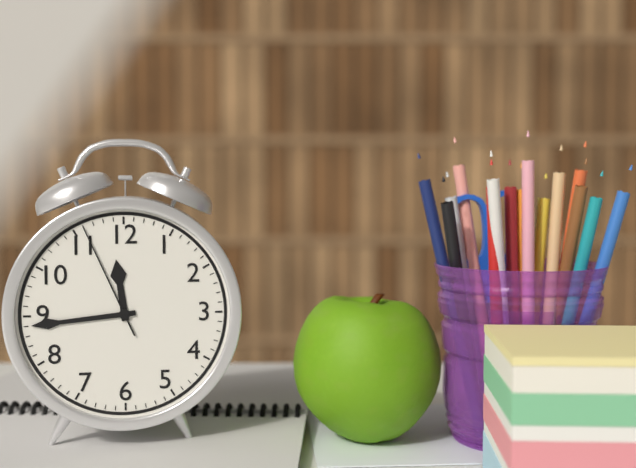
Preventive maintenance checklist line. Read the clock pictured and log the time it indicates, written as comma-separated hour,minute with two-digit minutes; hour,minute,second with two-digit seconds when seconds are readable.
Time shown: 11,44,56
